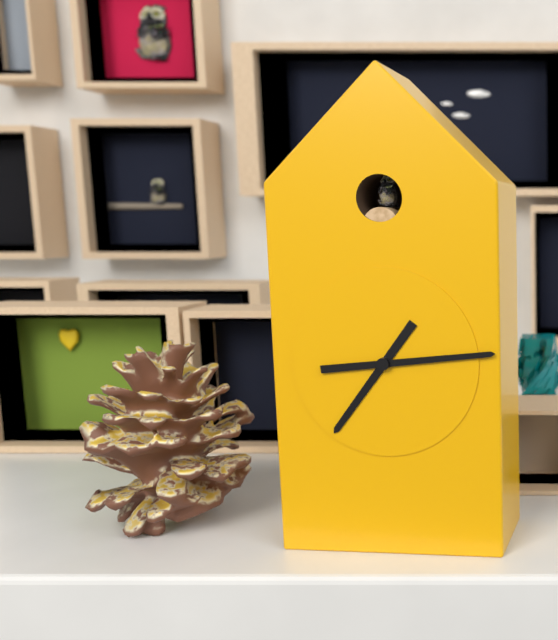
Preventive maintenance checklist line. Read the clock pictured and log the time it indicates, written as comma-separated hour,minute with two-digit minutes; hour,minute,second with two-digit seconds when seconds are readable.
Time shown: 7,14
